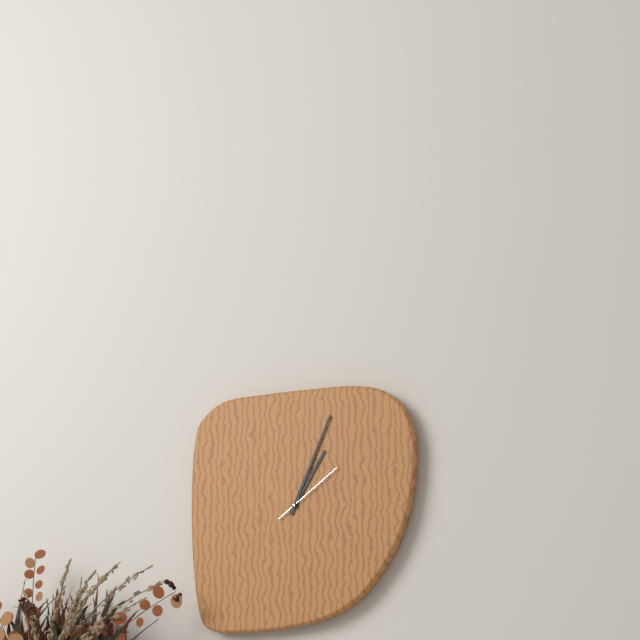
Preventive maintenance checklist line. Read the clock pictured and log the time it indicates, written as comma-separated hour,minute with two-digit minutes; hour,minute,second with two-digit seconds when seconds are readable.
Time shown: 1,04,09
